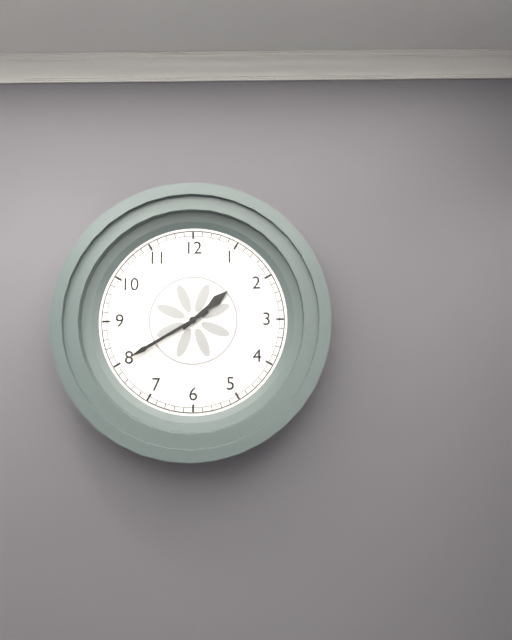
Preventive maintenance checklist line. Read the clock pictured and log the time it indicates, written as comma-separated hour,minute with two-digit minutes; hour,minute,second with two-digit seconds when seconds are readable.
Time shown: 1,40
